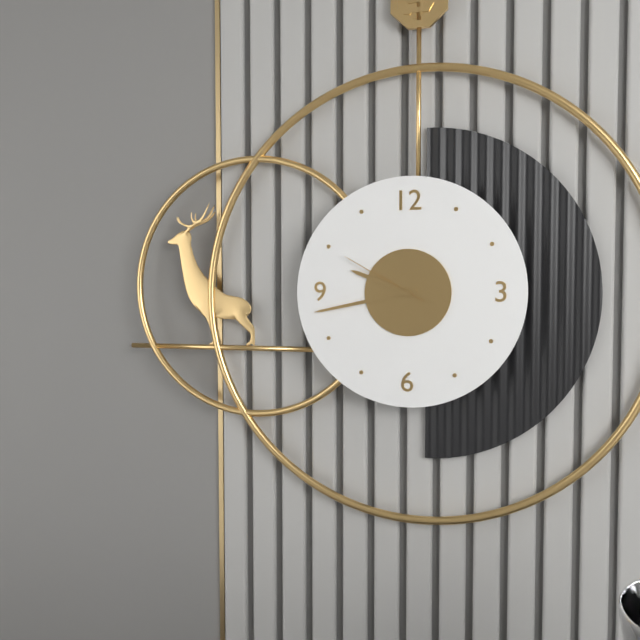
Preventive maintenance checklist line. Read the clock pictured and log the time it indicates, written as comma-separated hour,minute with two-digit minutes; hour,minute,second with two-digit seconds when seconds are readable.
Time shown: 9,43,50
